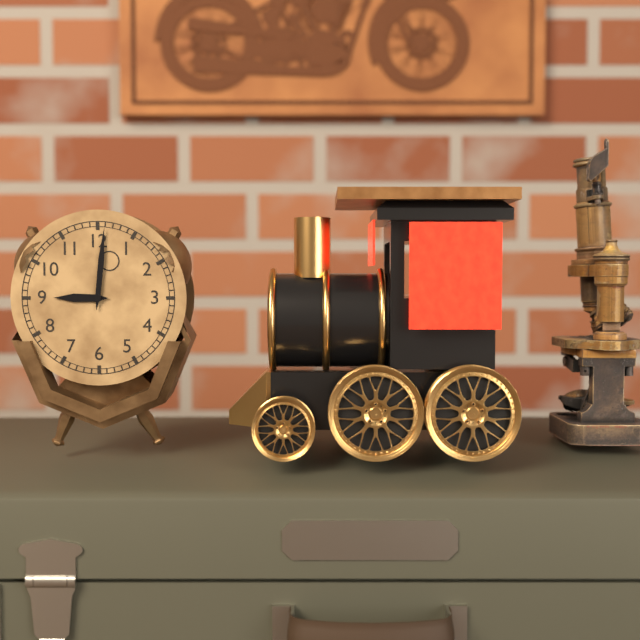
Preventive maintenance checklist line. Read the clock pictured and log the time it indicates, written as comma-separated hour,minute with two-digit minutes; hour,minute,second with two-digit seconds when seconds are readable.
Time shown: 9,01
